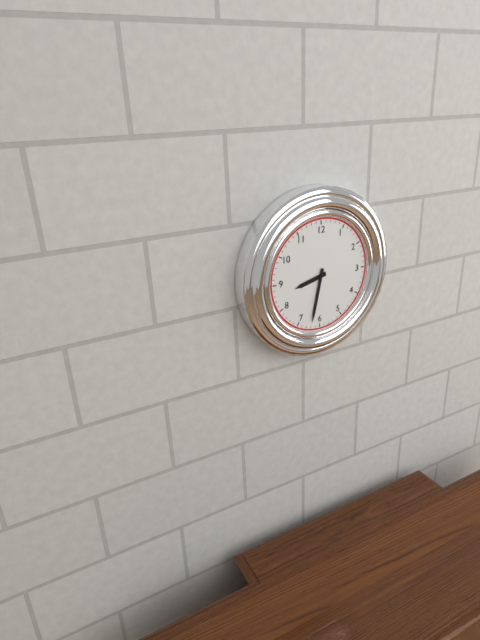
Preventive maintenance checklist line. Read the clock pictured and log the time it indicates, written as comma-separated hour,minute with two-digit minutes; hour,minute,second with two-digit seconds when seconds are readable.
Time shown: 8,32
